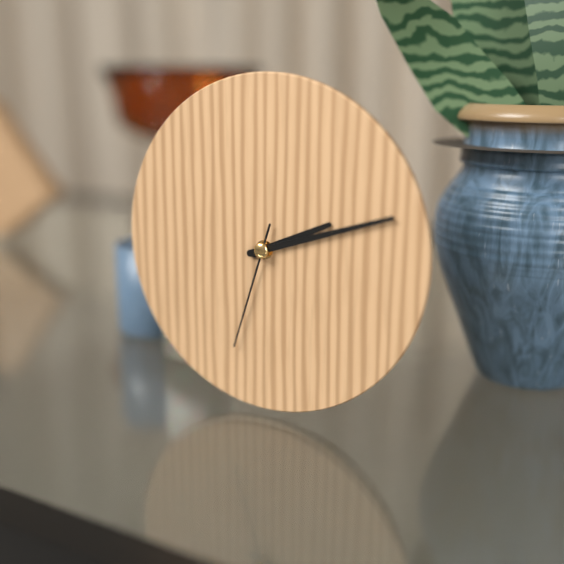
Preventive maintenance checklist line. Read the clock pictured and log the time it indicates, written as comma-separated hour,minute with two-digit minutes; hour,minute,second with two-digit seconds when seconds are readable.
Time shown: 2,12,33
